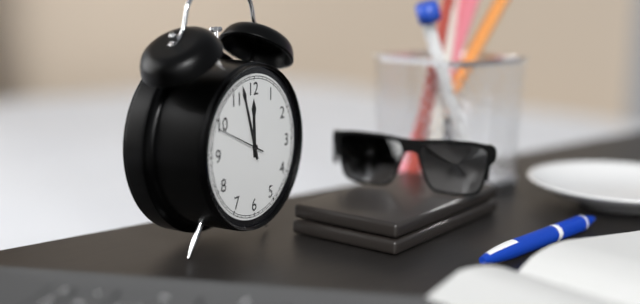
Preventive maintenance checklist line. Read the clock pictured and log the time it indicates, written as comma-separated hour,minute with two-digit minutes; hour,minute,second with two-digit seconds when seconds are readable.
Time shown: 11,57,49
